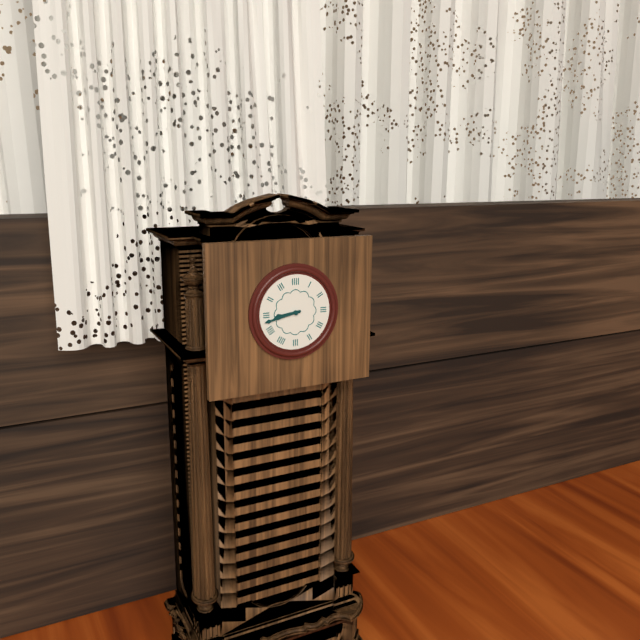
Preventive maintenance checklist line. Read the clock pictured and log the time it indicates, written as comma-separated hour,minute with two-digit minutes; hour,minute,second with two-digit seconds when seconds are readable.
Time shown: 8,43
